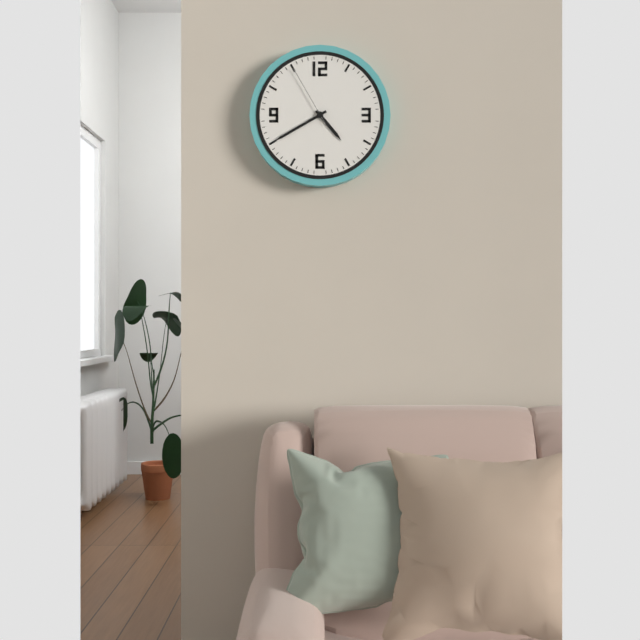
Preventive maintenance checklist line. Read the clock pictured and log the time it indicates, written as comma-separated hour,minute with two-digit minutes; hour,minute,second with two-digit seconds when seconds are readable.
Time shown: 4,40,55
